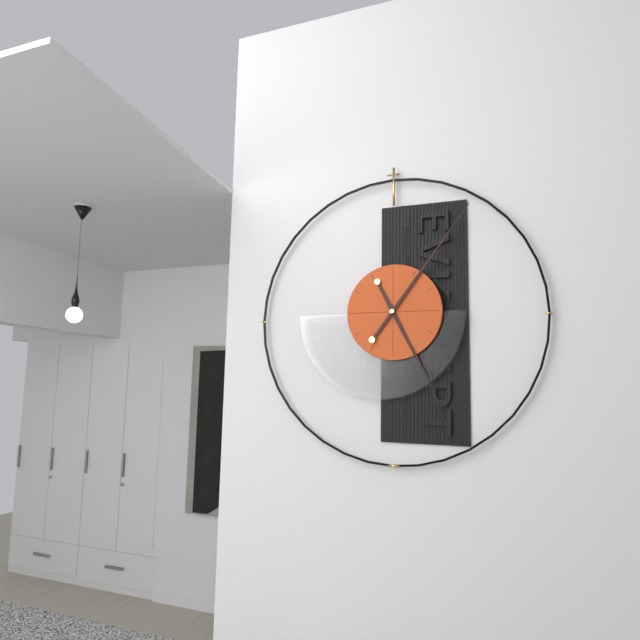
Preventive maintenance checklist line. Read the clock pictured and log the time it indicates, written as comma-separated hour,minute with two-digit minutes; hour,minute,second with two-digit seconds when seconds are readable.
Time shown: 5,06
